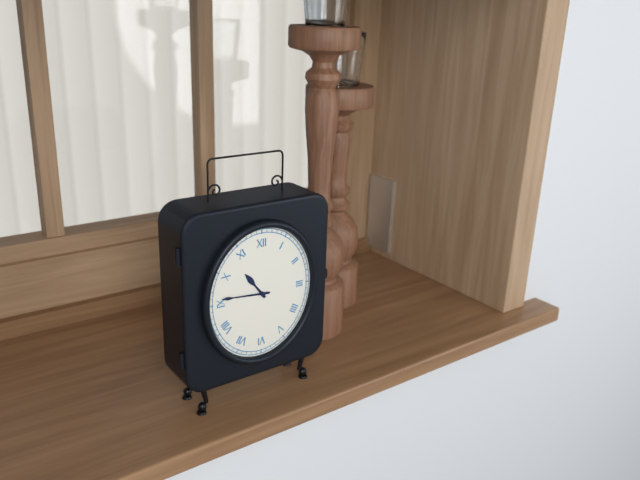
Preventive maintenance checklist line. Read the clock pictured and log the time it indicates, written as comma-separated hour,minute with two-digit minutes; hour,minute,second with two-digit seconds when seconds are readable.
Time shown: 10,46
